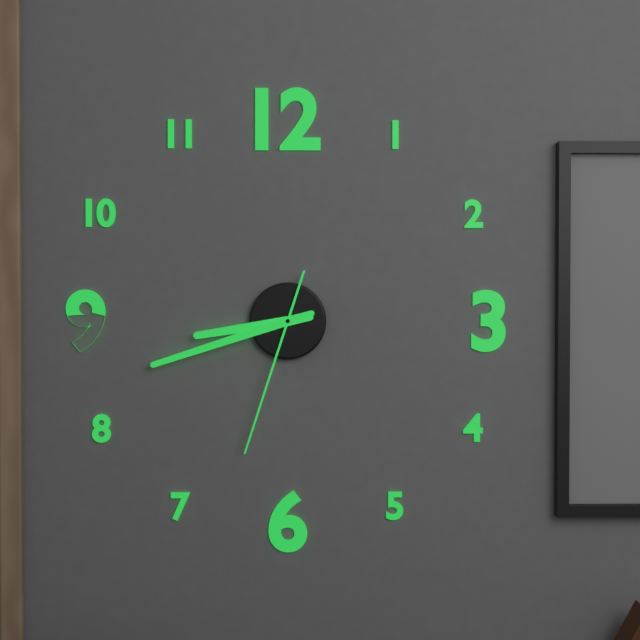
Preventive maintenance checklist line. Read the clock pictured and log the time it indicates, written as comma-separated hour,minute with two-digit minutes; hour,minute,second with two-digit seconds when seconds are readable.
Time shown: 8,42,33
